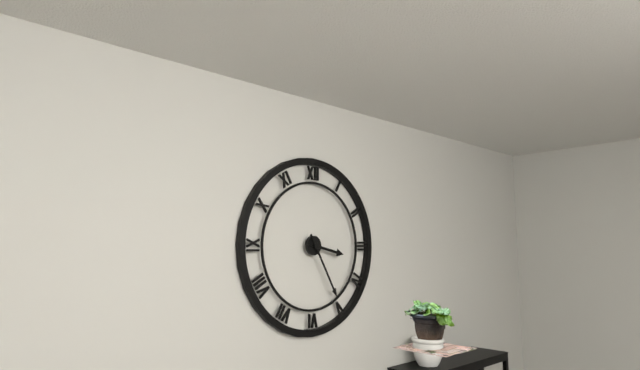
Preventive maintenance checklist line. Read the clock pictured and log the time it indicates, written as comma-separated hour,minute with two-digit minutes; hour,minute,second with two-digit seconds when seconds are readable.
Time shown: 3,25
